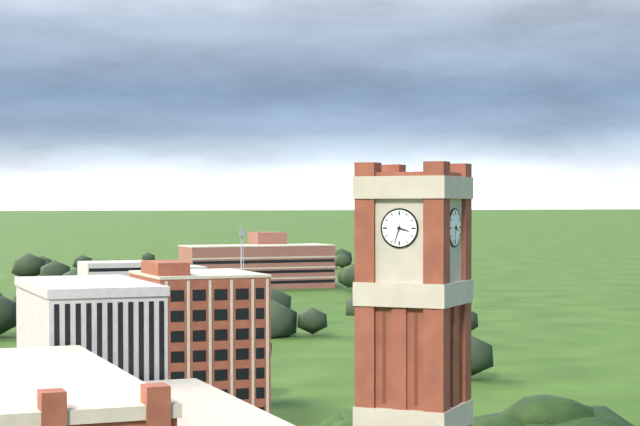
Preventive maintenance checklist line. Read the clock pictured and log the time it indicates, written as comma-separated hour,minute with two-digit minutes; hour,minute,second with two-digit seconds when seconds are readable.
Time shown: 3,33
